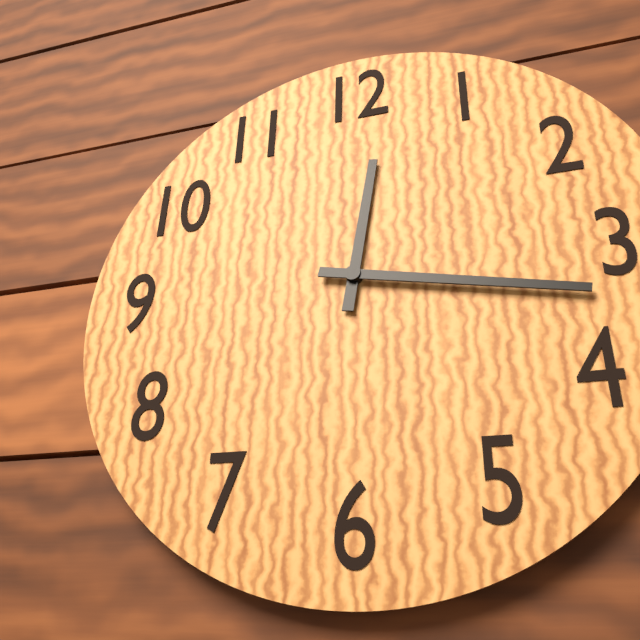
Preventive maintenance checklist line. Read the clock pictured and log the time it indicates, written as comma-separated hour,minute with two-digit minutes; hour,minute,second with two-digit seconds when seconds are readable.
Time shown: 12,17
